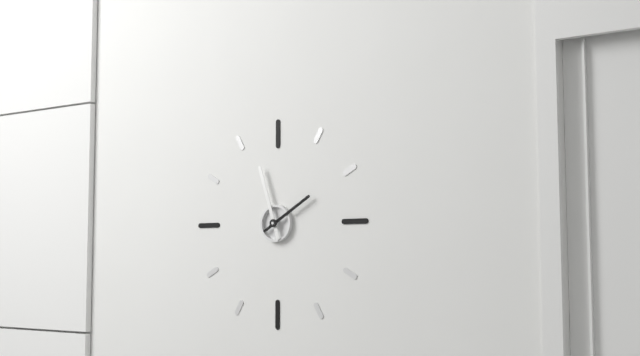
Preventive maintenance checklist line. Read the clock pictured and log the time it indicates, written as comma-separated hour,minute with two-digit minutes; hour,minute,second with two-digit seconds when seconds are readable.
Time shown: 1,57
